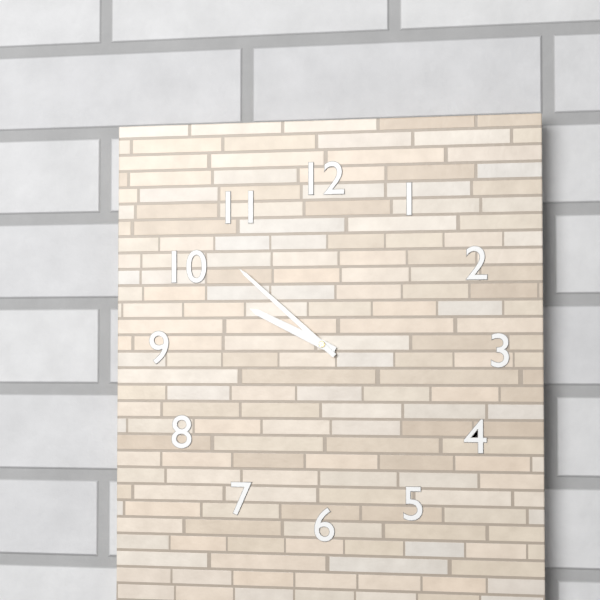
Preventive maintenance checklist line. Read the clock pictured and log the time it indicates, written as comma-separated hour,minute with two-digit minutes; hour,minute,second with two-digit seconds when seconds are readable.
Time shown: 9,52
